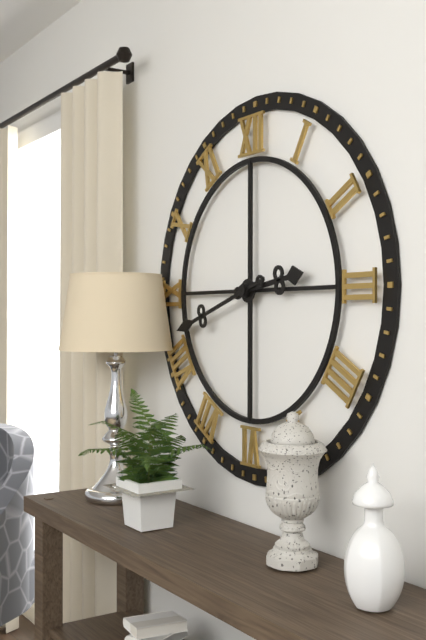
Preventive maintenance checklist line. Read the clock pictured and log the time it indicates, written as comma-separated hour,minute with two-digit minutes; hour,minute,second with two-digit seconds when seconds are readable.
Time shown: 2,42
